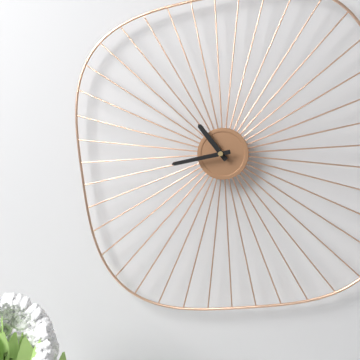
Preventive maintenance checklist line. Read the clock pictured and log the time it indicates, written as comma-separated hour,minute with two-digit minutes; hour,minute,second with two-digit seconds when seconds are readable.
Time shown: 10,43
